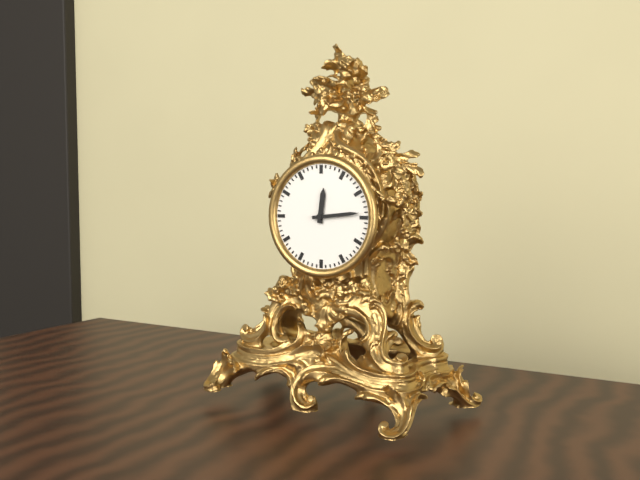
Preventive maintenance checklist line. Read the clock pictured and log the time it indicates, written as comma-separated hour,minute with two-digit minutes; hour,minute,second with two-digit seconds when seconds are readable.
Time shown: 12,14
